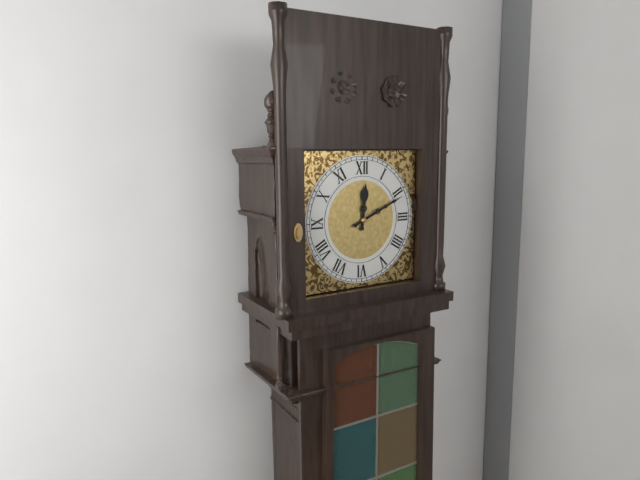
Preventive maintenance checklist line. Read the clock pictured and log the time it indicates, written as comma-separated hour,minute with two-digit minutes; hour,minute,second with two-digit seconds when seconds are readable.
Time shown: 12,11
